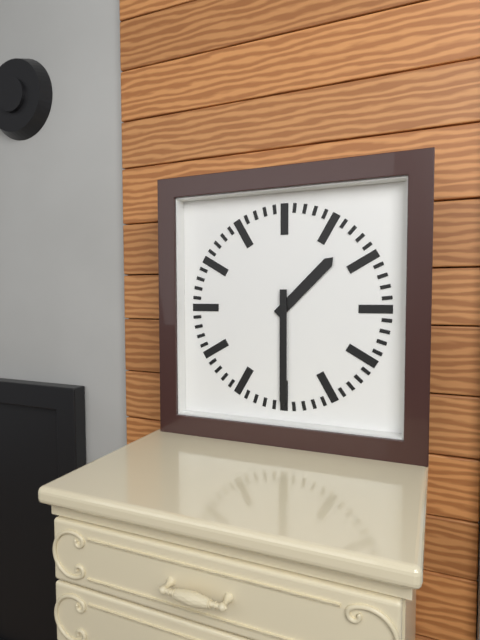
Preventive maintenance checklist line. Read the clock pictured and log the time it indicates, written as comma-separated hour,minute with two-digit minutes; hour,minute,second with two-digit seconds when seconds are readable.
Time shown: 1,30
